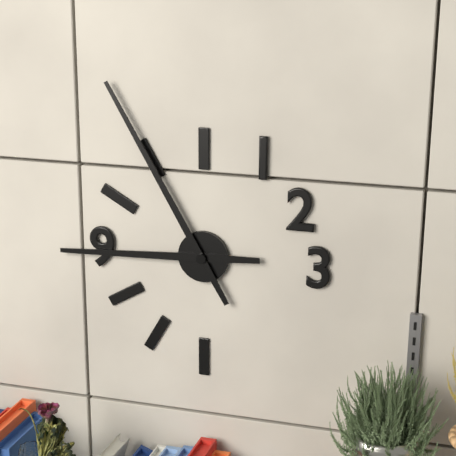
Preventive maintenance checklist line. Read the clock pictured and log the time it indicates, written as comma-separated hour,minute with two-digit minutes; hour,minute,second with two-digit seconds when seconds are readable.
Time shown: 8,55
